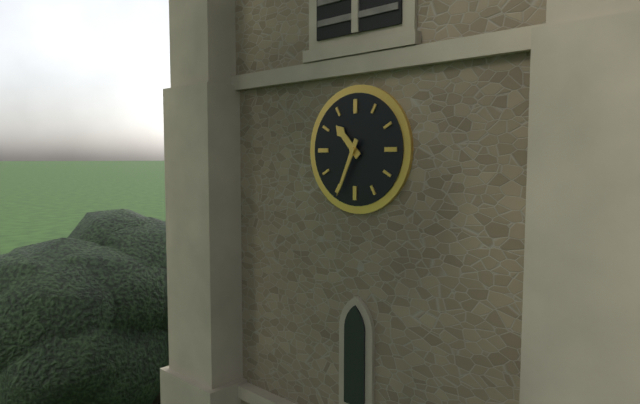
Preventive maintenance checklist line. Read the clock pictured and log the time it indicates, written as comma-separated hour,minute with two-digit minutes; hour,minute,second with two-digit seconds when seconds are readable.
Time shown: 10,34
